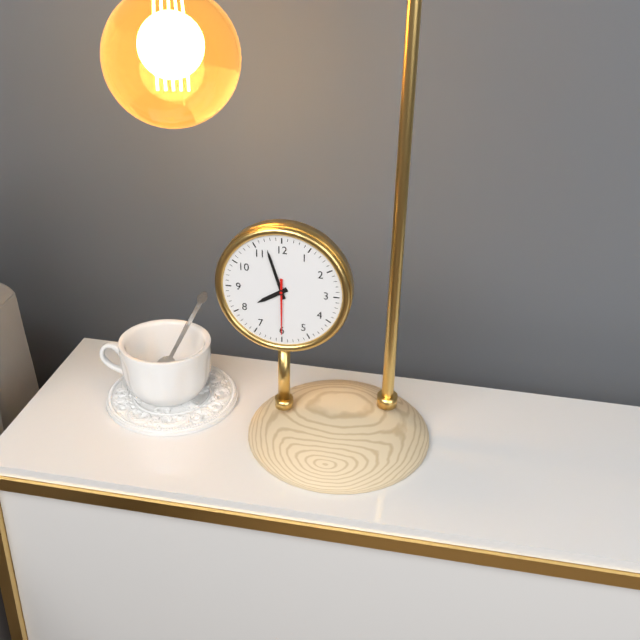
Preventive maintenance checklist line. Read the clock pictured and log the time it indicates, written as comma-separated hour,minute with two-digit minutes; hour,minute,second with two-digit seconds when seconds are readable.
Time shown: 7,57,30
